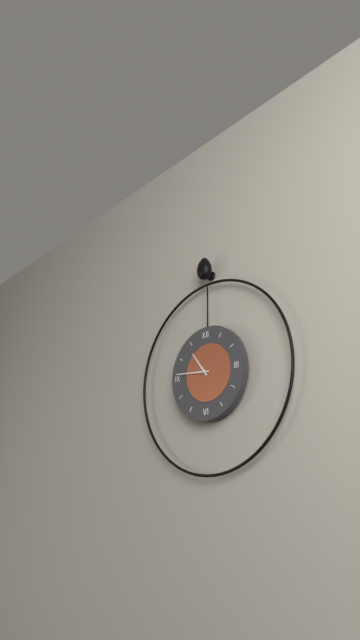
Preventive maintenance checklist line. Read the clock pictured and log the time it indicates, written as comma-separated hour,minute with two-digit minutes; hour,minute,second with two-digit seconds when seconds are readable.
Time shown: 10,46
